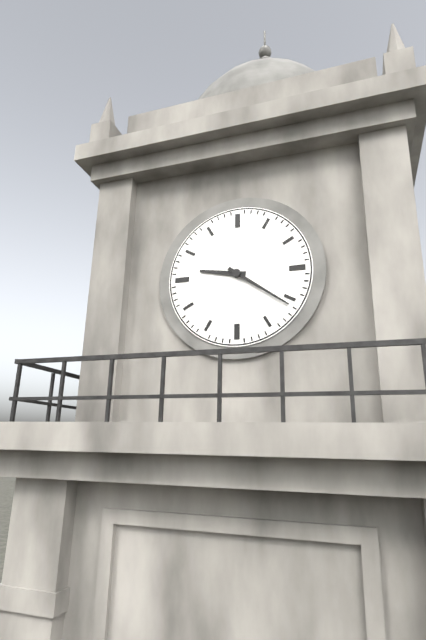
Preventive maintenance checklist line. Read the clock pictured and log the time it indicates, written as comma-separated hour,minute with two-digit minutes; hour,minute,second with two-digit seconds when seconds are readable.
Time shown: 9,21
